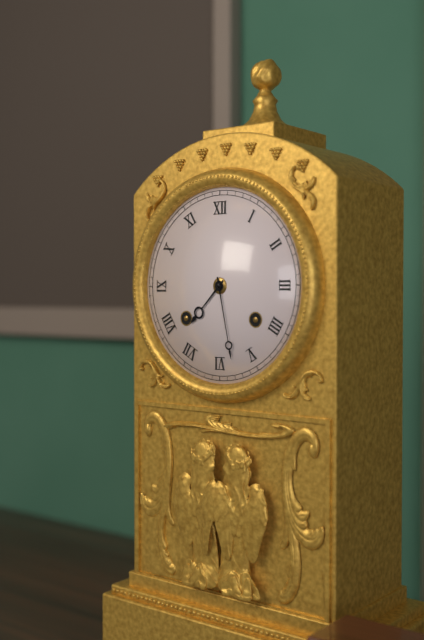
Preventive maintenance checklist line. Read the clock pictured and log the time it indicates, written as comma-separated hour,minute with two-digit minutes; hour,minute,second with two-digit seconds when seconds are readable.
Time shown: 7,28
